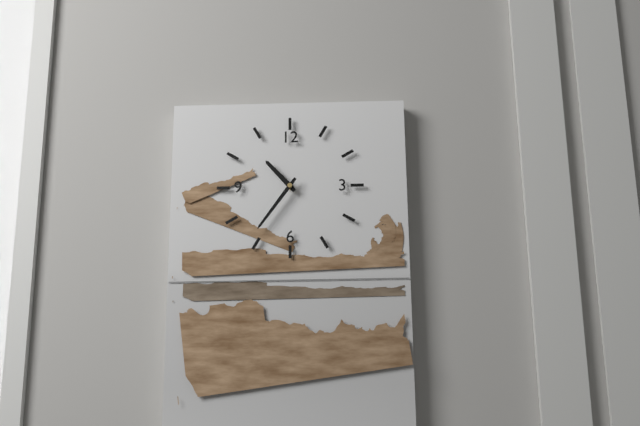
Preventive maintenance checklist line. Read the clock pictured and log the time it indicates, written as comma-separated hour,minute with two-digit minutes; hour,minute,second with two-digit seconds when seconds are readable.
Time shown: 10,36
